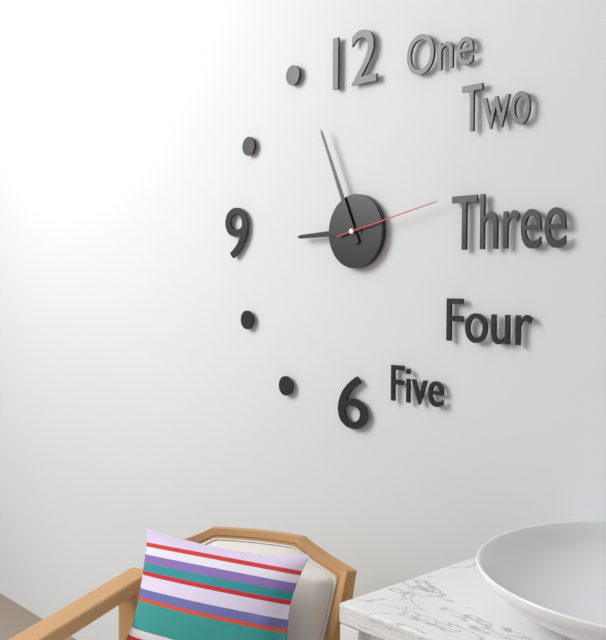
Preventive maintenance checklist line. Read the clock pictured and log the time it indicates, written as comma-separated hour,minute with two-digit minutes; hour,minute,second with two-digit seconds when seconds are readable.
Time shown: 8,56,13
